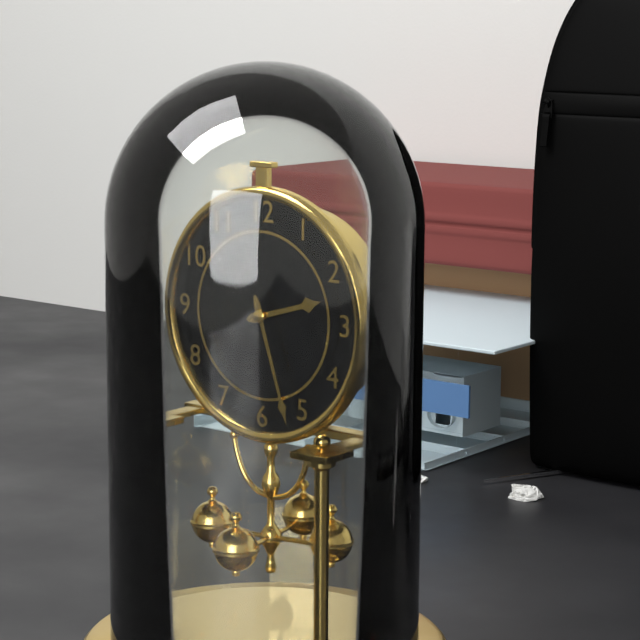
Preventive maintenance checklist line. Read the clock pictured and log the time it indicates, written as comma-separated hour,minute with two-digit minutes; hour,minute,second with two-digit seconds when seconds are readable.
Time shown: 2,27
